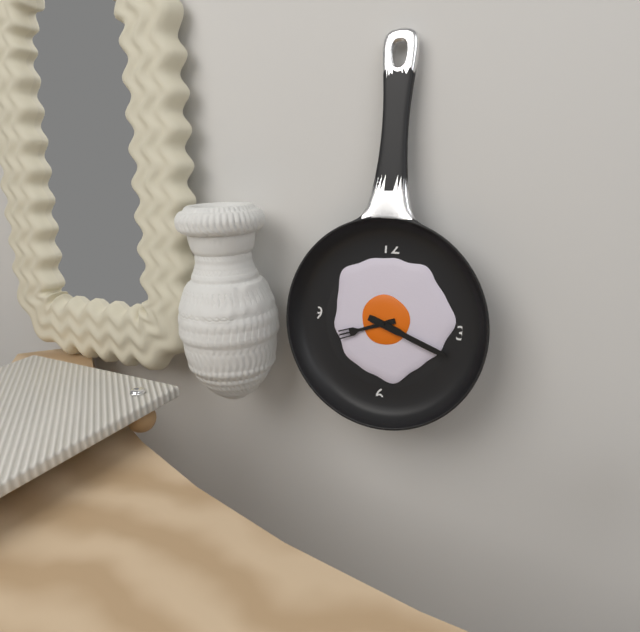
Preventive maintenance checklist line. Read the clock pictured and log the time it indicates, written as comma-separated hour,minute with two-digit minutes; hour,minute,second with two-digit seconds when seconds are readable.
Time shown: 8,18
